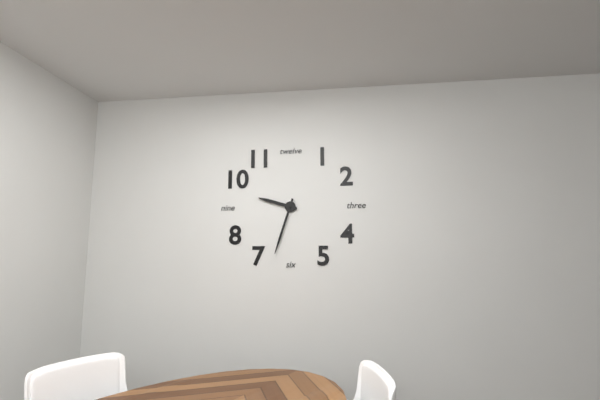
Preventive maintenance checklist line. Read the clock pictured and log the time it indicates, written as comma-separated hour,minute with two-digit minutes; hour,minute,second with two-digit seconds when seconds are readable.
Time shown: 9,33
